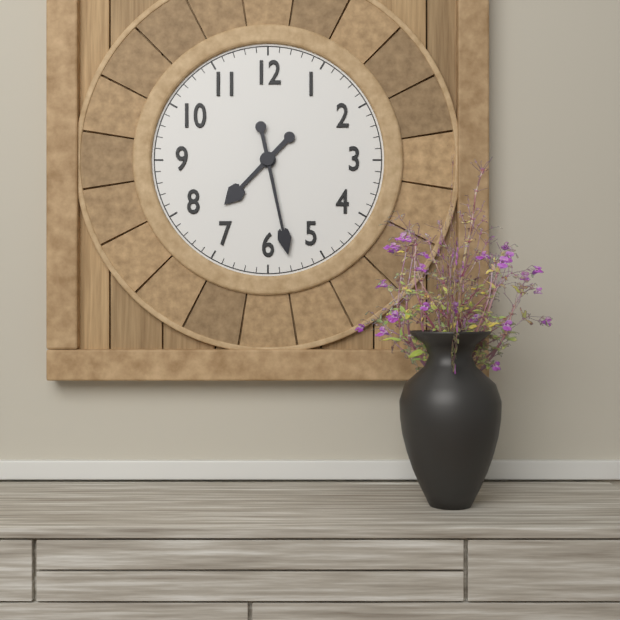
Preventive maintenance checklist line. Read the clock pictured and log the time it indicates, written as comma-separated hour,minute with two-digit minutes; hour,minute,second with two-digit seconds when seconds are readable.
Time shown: 7,28
